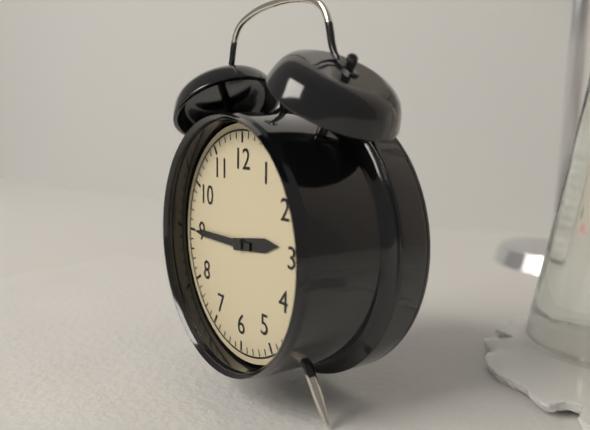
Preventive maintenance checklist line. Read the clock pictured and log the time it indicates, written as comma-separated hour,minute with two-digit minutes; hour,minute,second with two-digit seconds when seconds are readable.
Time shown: 2,45
